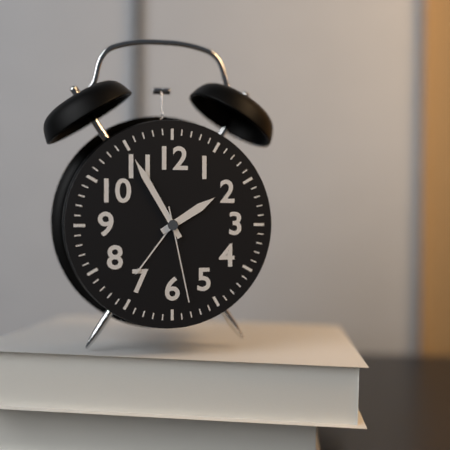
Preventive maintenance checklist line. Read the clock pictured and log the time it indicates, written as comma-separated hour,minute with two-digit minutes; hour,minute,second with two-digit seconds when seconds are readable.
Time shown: 1,55,28
